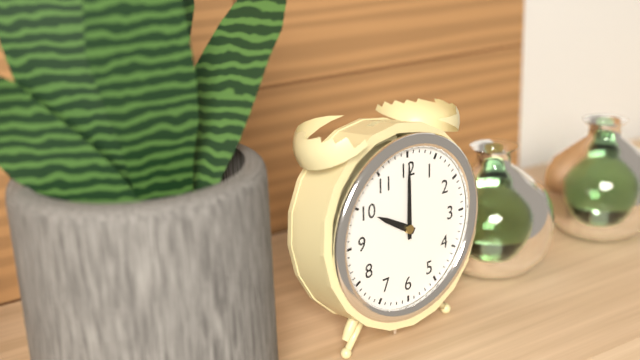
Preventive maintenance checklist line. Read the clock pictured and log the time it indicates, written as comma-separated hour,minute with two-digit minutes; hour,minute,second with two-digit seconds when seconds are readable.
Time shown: 10,00
